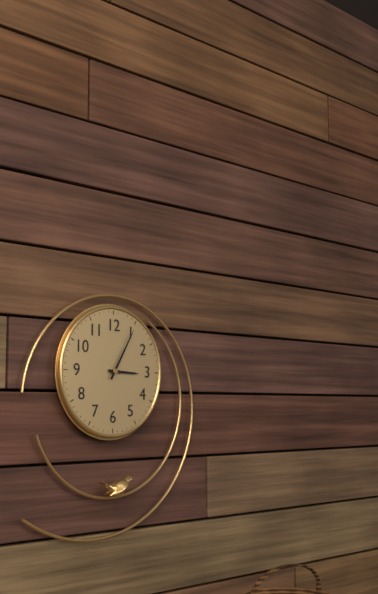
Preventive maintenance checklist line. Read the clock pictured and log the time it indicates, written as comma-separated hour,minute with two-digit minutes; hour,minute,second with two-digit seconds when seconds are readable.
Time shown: 3,05
